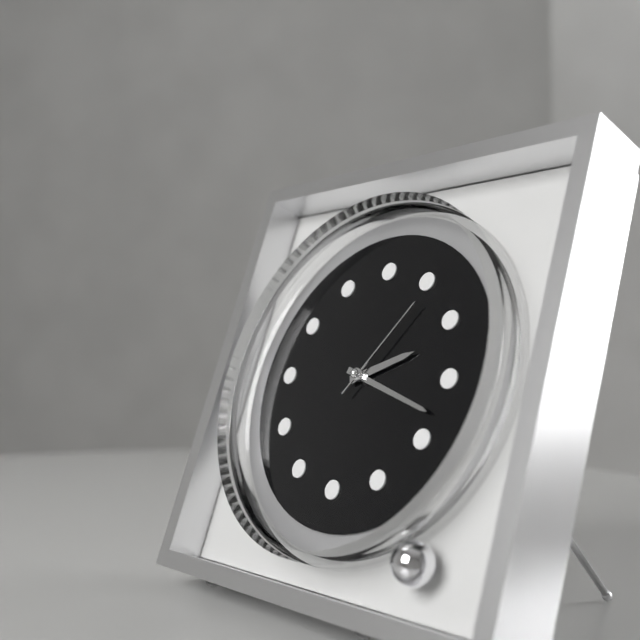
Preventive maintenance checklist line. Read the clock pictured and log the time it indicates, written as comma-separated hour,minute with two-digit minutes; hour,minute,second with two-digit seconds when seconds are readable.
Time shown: 2,18,06
